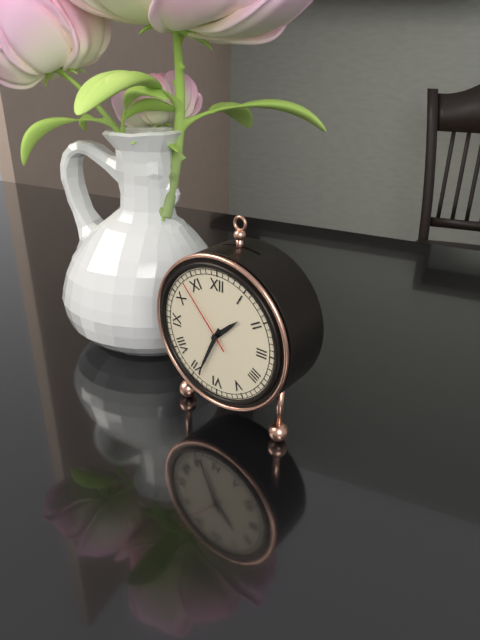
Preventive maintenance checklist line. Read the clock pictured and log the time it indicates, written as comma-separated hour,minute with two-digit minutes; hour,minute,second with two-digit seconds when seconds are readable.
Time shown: 1,34,53
